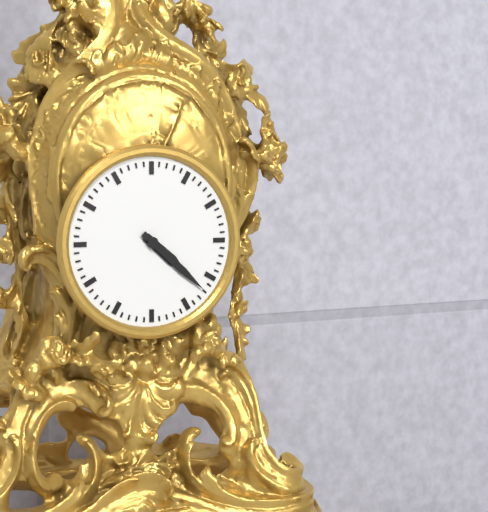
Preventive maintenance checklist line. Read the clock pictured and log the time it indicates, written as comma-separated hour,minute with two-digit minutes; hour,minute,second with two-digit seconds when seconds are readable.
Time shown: 4,22
